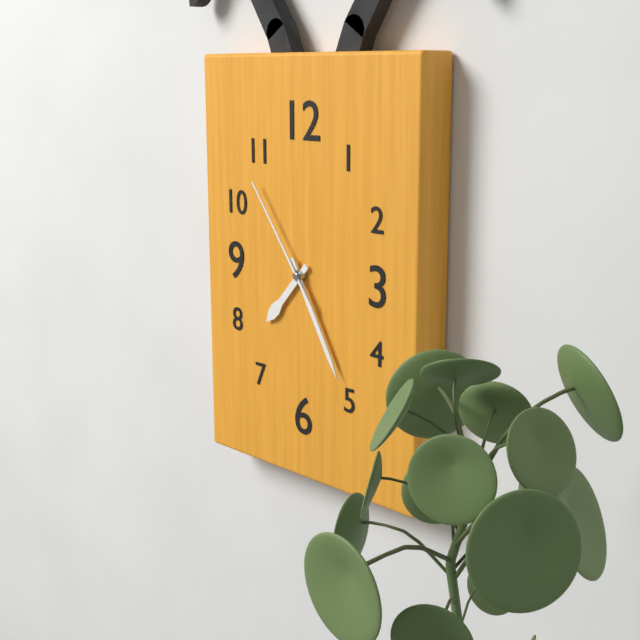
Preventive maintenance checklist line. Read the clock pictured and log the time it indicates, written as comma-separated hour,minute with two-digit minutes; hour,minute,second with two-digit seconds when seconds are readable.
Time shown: 7,25,54
